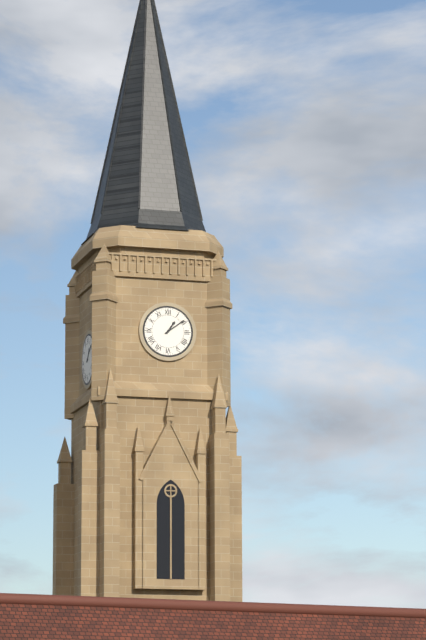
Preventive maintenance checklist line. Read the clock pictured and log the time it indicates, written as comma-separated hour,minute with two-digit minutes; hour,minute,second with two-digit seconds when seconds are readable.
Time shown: 1,09
